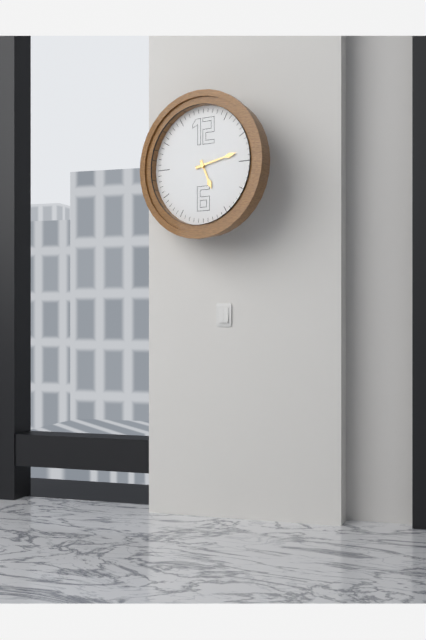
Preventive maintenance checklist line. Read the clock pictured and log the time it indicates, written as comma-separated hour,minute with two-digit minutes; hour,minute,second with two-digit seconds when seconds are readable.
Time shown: 5,13
